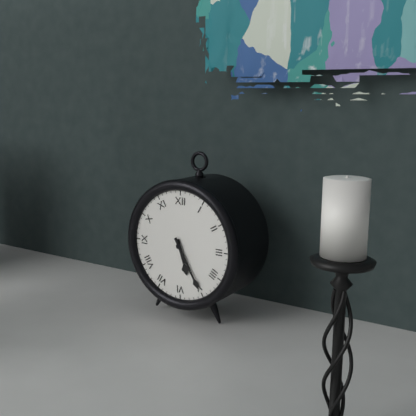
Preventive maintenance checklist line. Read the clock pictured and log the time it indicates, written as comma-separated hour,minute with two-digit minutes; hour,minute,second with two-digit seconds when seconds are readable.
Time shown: 5,25
